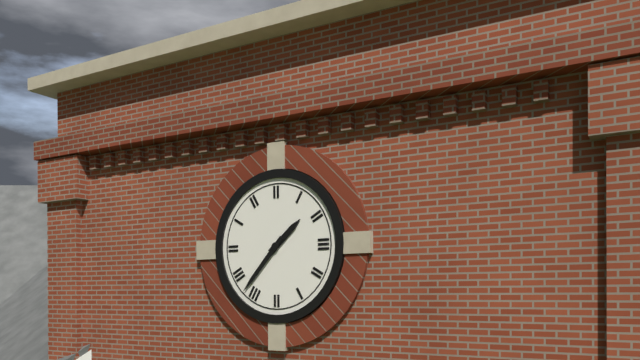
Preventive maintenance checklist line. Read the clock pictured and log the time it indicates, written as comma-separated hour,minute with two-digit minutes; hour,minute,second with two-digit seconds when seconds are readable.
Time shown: 1,37
